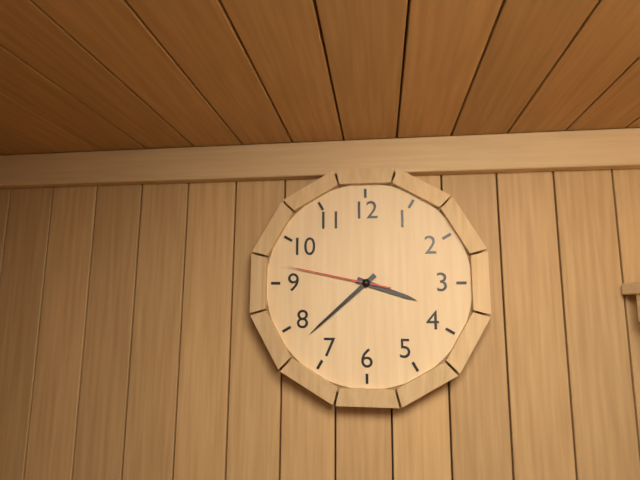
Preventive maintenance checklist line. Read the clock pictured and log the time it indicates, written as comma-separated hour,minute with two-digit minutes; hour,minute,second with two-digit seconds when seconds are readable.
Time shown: 3,38,47
